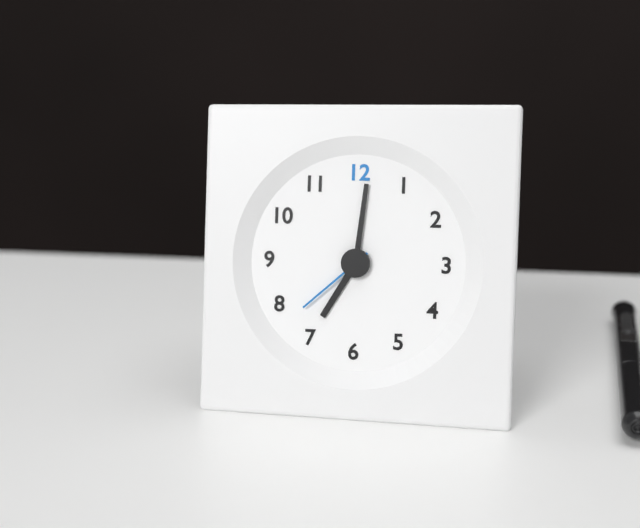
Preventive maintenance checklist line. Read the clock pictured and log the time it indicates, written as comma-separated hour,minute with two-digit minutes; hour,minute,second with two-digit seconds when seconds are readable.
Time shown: 7,01,38
